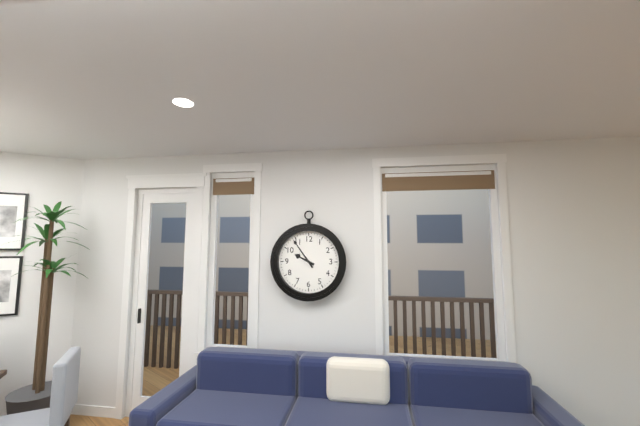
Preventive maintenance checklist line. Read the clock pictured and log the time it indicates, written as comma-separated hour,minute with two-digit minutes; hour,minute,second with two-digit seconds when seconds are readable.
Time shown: 9,54
